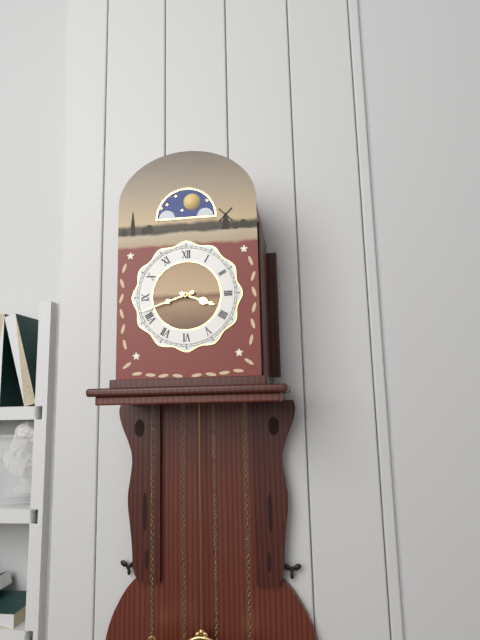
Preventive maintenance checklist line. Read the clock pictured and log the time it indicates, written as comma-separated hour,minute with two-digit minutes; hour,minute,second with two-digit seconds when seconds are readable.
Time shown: 3,42
